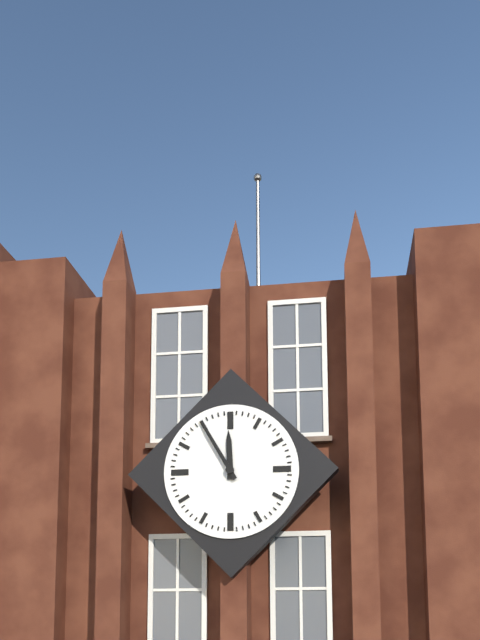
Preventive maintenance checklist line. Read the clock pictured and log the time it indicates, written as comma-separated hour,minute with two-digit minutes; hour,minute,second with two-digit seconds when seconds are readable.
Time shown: 11,55
